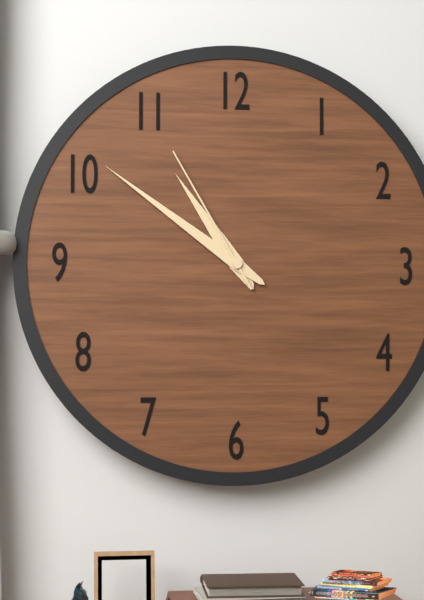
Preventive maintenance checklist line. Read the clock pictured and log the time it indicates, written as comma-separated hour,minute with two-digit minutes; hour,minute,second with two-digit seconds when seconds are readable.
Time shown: 10,51,55
